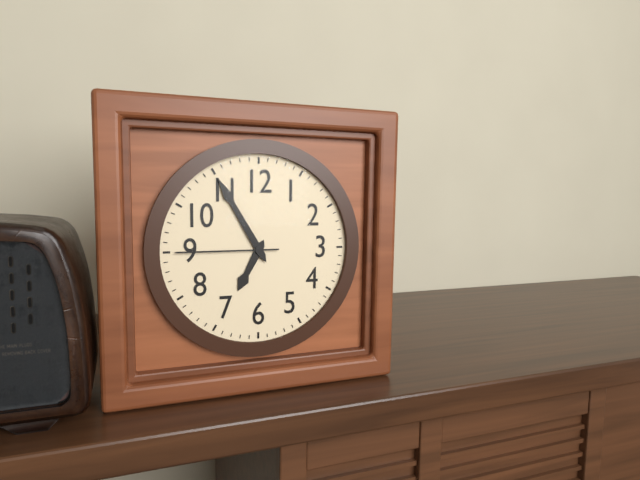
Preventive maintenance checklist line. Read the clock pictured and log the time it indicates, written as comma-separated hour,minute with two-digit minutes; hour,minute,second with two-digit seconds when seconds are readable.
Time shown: 6,55,45
